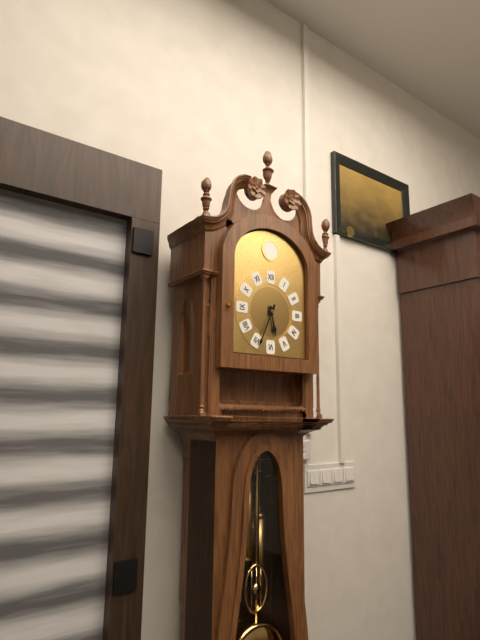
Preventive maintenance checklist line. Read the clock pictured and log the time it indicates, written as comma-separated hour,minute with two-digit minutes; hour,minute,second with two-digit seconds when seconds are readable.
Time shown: 5,34
